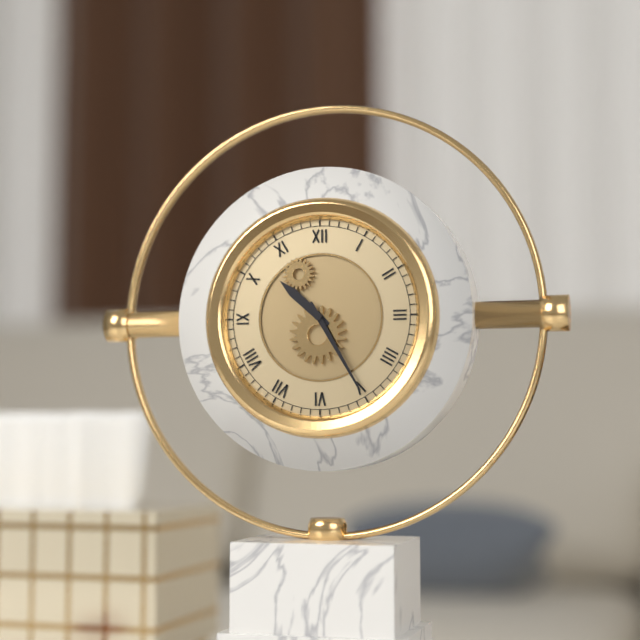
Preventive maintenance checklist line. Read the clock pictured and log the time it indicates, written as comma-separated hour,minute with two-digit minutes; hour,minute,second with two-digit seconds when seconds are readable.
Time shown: 10,25
